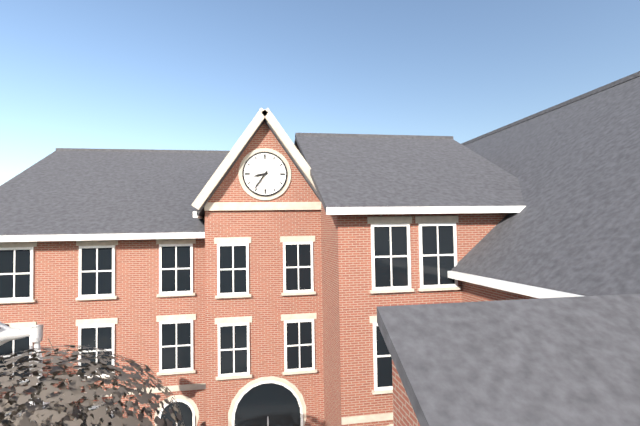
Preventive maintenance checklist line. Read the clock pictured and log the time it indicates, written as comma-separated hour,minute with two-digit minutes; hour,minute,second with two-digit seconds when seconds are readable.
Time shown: 8,36
